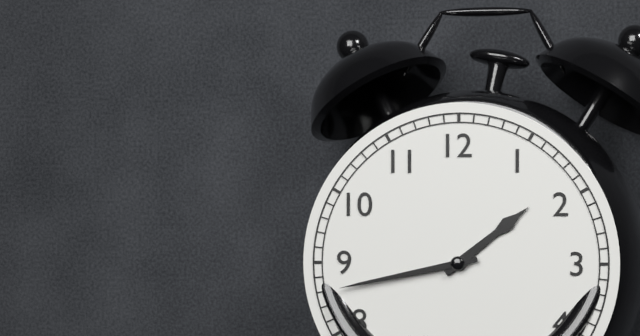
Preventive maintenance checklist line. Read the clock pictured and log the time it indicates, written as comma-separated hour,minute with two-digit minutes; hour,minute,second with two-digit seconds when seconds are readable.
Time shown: 1,43
